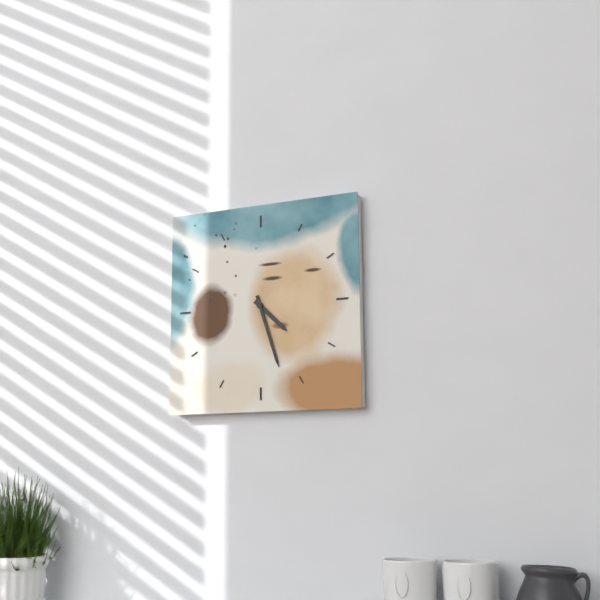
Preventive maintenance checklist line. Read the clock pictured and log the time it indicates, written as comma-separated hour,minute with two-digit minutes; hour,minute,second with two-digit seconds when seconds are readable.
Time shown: 4,27
